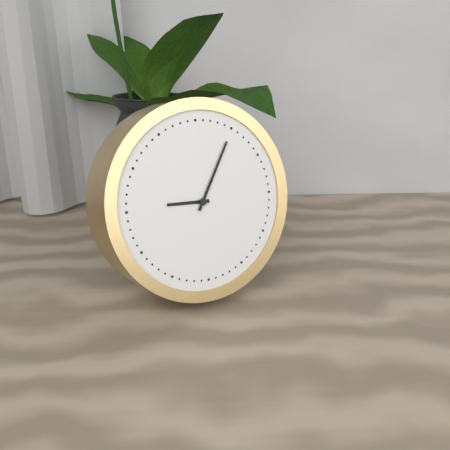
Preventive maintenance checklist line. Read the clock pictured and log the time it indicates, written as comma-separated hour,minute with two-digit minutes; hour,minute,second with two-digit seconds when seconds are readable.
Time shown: 9,05
